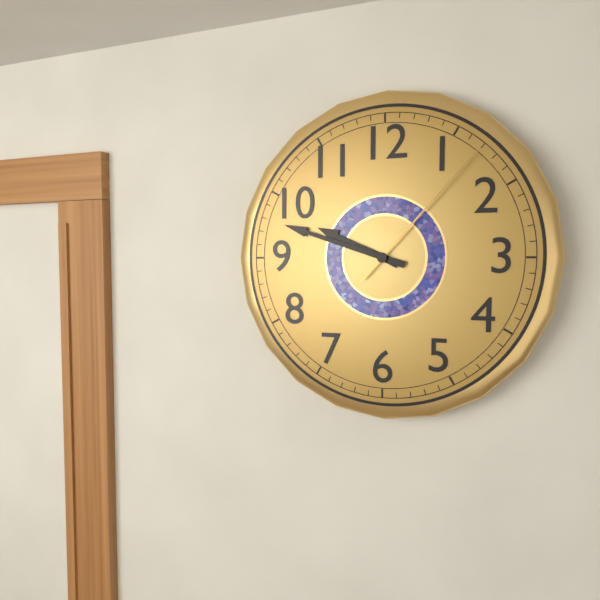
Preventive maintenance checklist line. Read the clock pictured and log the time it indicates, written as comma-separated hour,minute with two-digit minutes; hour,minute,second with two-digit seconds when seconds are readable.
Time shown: 9,48,07
